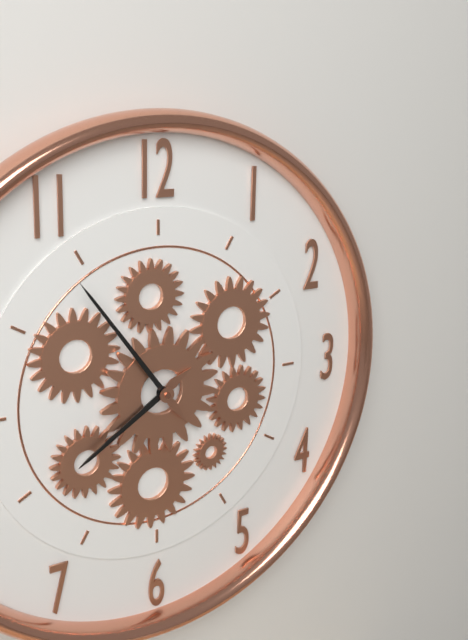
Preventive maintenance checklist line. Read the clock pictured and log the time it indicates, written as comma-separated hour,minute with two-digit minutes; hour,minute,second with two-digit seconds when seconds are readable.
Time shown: 7,54
